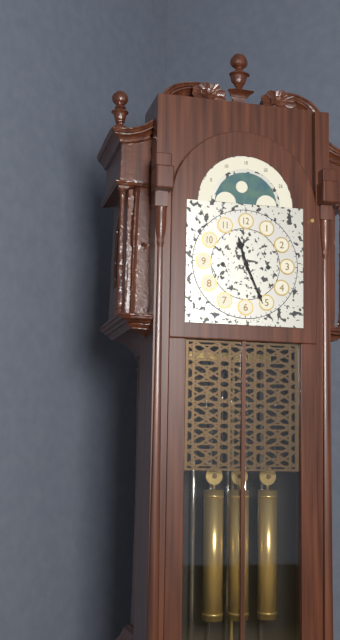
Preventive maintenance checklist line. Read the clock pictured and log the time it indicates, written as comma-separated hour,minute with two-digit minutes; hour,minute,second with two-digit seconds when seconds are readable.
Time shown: 11,26
